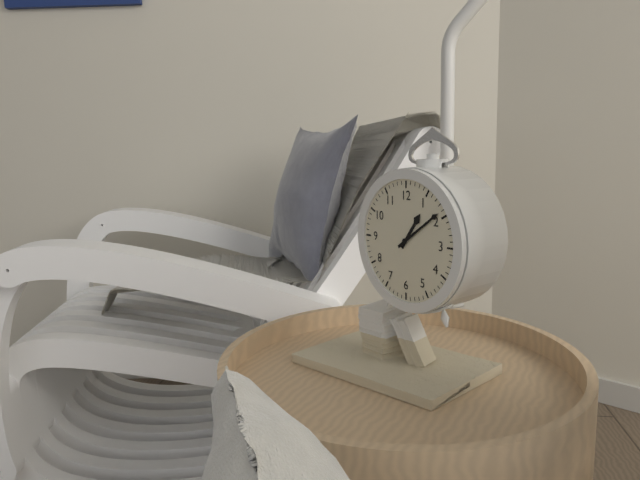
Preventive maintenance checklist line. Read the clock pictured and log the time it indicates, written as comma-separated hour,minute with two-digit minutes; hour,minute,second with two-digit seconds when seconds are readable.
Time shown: 1,09
